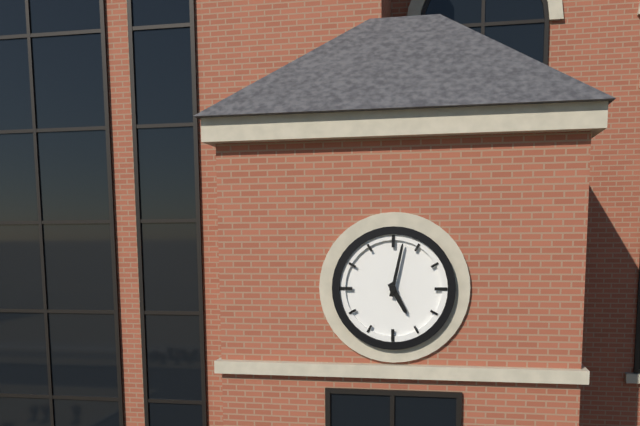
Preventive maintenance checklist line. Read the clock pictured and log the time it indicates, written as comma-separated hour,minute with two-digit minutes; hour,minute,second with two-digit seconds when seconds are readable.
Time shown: 5,02
